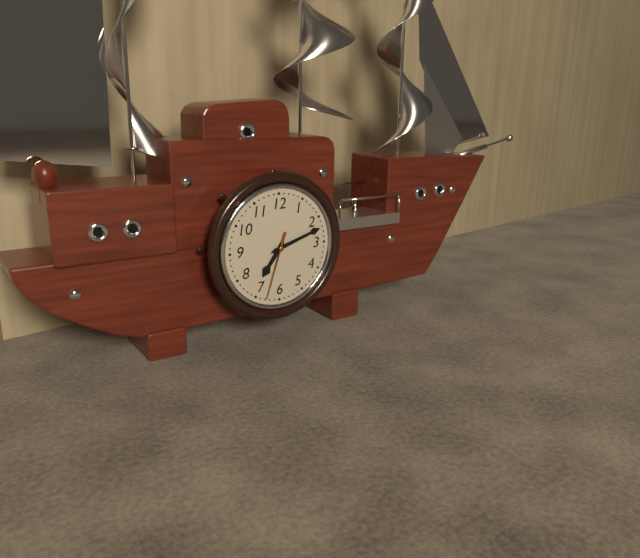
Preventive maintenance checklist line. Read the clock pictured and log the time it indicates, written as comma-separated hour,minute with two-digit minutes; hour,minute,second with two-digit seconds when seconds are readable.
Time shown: 7,12,33
